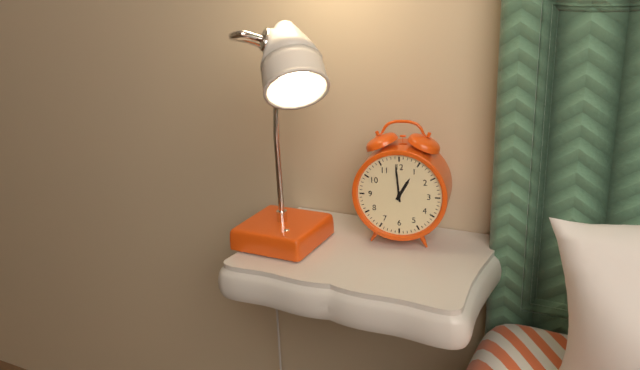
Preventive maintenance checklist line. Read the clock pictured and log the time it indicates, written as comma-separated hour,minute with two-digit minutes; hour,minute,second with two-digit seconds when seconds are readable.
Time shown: 12,59
